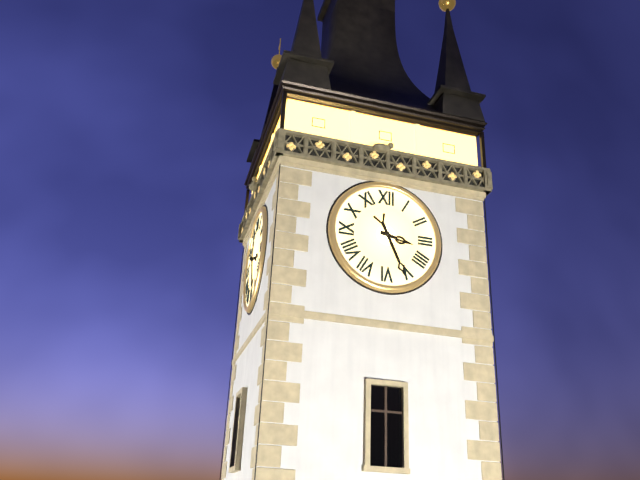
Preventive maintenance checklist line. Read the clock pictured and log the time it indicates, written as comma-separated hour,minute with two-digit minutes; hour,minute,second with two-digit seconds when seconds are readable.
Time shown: 3,26
